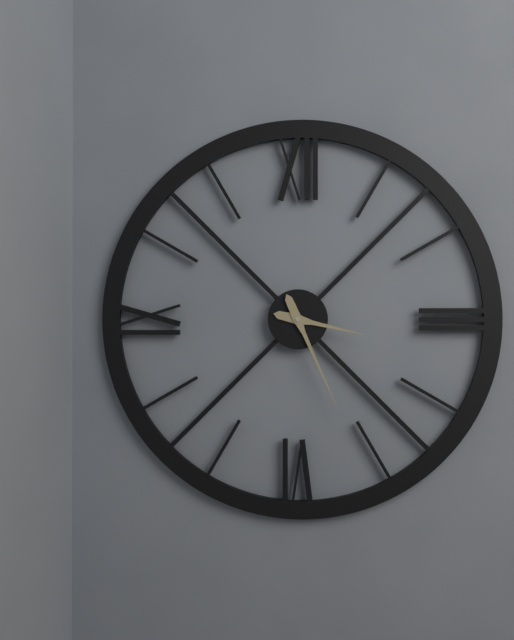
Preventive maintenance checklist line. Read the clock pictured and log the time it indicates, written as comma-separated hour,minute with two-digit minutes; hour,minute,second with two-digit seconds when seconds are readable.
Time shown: 3,26
